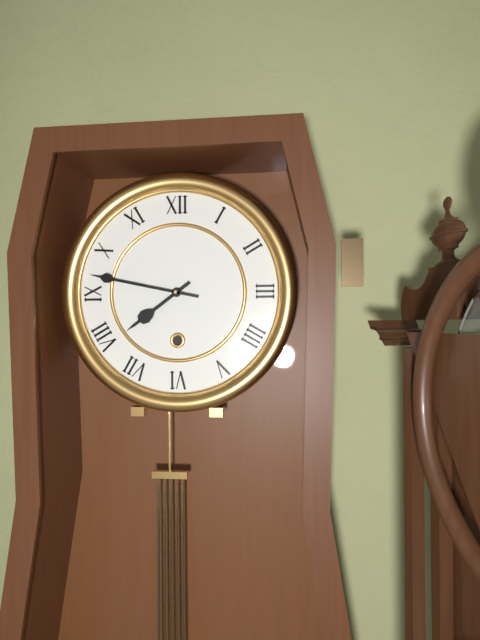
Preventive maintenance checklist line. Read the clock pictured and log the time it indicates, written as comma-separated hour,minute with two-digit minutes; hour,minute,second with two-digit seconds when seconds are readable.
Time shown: 7,47
